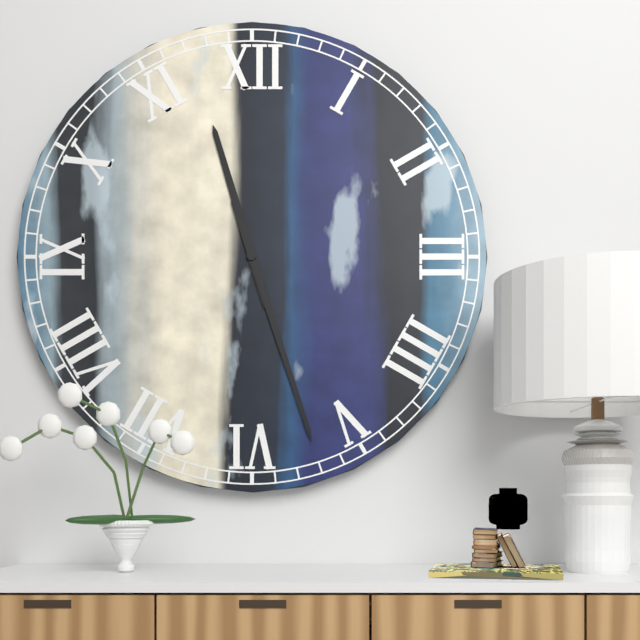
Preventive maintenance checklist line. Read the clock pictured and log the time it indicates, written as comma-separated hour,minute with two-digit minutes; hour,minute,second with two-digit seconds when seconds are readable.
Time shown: 11,27
